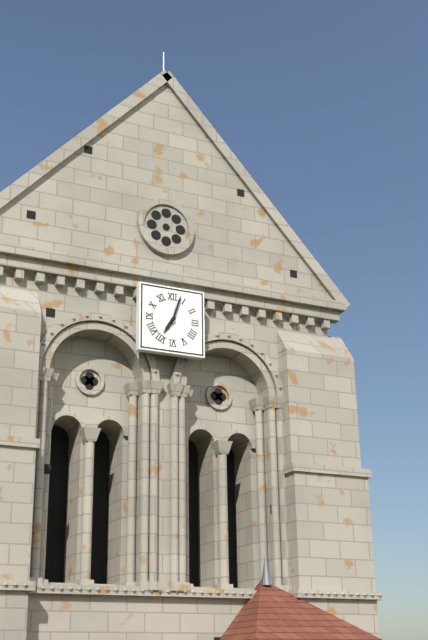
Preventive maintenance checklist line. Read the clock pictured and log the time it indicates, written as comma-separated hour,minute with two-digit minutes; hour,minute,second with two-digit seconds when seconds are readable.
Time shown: 7,03
